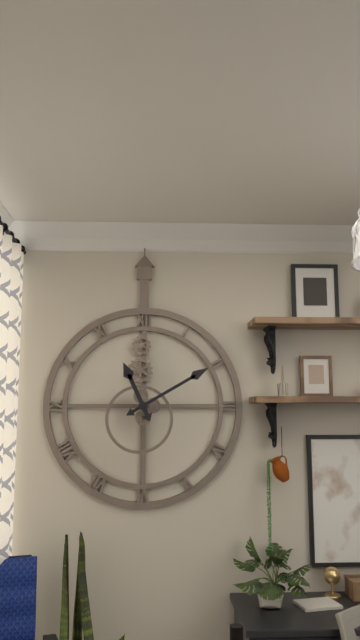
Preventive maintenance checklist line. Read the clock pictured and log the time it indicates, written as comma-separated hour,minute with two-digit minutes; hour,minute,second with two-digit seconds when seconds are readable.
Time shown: 11,10
